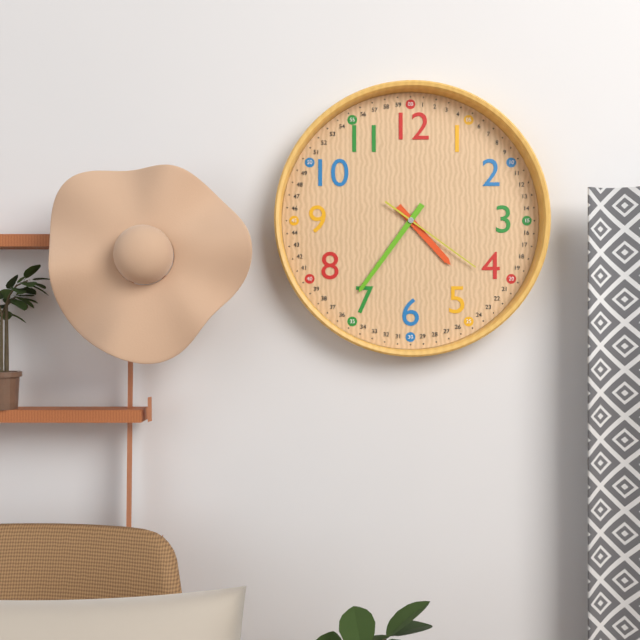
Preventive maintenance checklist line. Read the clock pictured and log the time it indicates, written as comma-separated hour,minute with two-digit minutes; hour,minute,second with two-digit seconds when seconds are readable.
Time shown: 4,36,21
